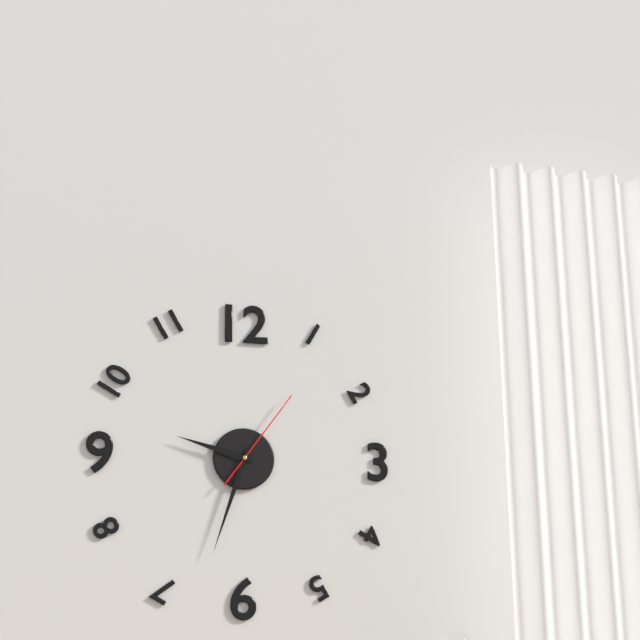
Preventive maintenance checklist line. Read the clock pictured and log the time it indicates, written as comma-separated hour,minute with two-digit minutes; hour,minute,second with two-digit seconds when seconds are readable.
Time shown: 9,33,06
